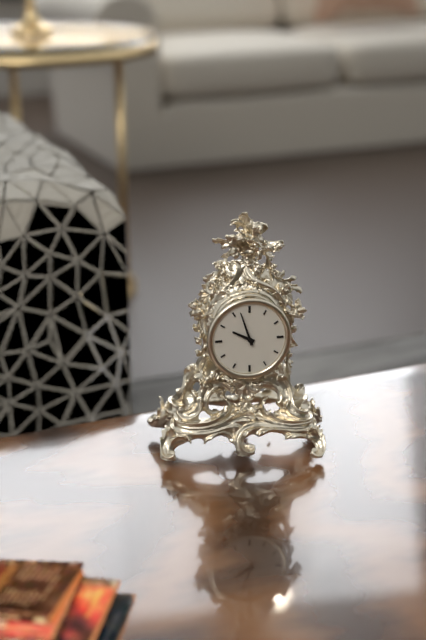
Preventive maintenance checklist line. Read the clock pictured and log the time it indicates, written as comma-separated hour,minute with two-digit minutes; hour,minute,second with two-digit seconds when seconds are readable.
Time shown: 9,57
